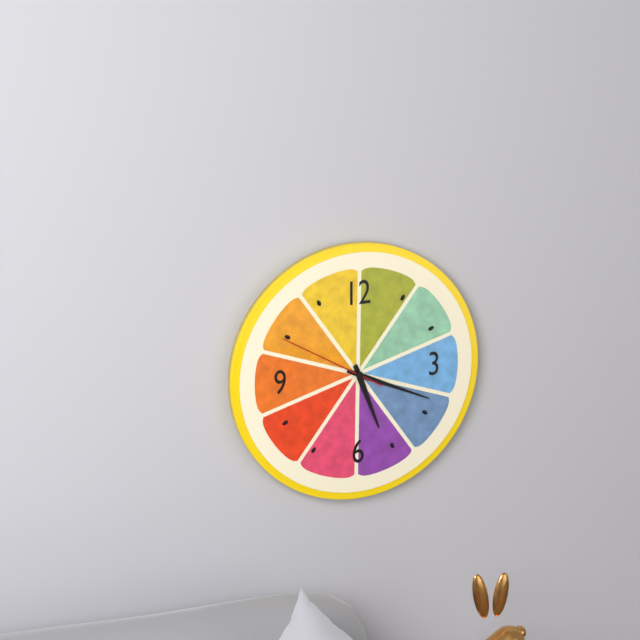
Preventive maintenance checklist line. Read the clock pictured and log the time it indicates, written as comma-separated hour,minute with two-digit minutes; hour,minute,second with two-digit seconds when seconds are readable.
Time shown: 5,19,50
